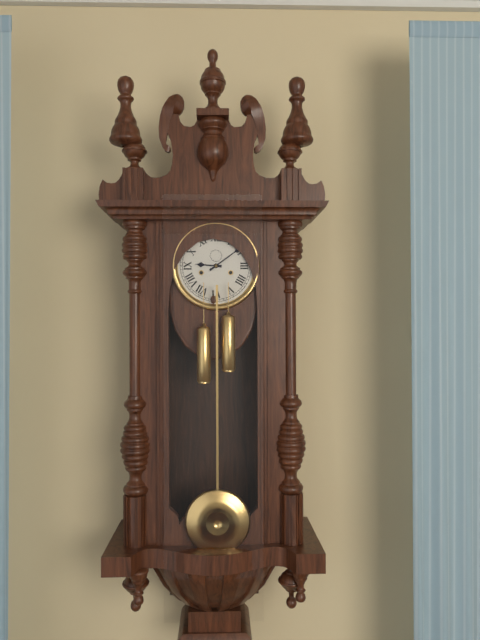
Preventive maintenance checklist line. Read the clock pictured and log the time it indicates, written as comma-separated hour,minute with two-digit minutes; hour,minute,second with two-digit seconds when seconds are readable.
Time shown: 9,09
